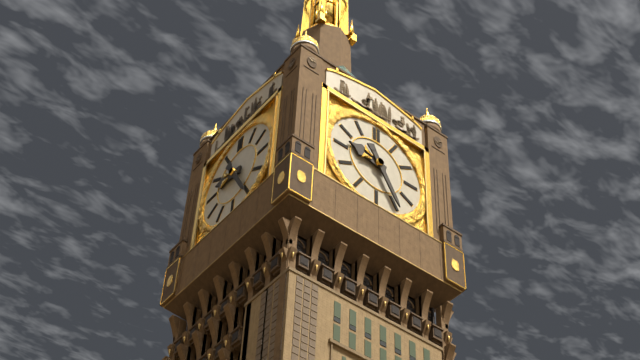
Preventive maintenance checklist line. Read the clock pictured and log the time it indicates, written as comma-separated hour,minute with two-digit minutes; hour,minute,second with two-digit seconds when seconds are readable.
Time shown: 9,25
